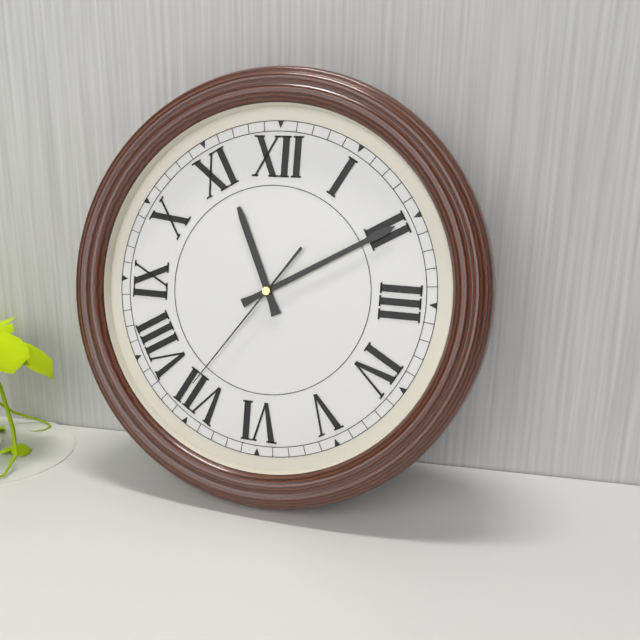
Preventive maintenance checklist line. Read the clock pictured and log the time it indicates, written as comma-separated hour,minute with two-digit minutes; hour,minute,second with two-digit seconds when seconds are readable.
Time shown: 11,10,36
